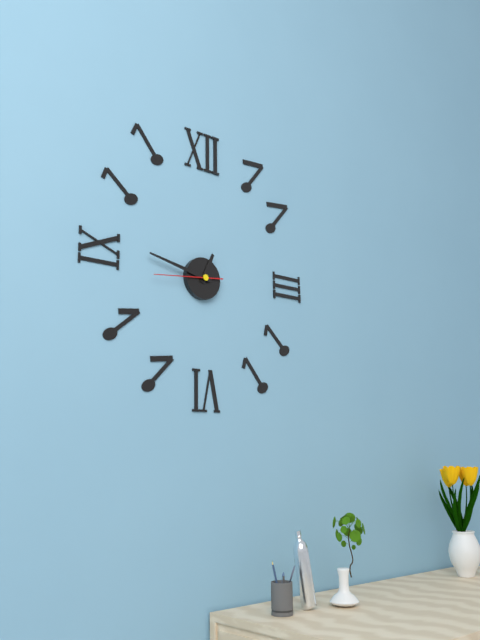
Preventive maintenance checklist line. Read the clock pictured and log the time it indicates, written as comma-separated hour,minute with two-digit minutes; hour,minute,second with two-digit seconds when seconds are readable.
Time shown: 12,47,44
